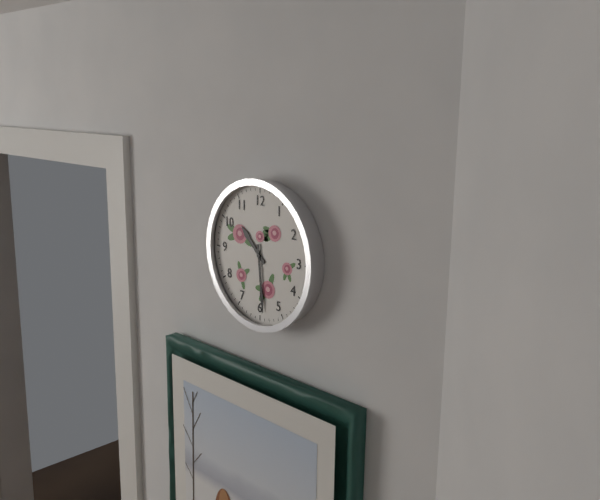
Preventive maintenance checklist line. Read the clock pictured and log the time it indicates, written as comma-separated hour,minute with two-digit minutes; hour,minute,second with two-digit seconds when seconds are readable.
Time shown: 10,29
